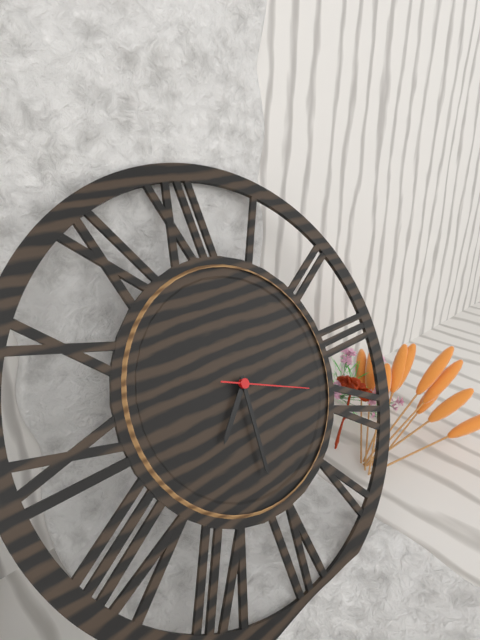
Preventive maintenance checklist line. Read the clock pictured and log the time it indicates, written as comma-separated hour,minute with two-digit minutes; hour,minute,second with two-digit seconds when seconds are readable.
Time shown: 7,31,19
